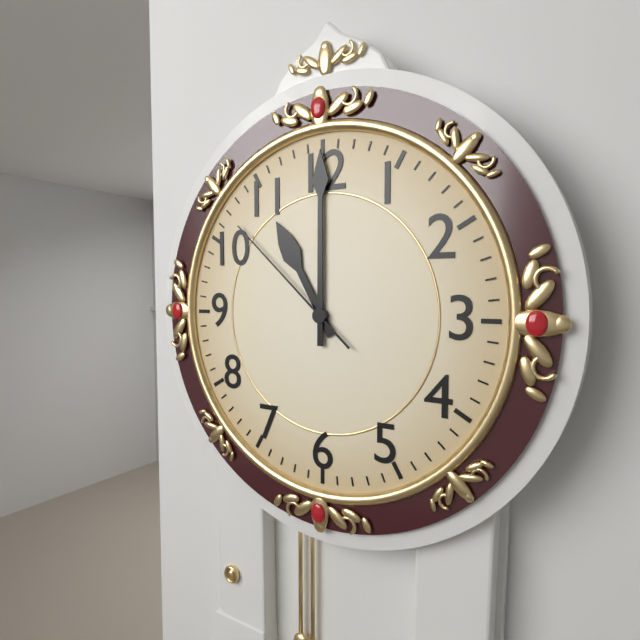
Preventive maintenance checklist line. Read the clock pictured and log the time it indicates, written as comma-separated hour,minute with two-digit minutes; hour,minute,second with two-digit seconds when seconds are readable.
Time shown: 11,00,52
